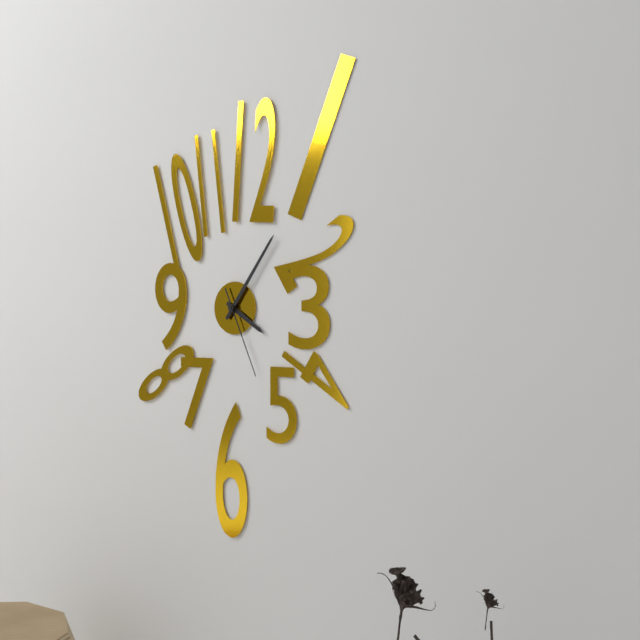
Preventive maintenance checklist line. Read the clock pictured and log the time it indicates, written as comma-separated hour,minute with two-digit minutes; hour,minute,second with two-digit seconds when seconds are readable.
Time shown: 4,06,26
